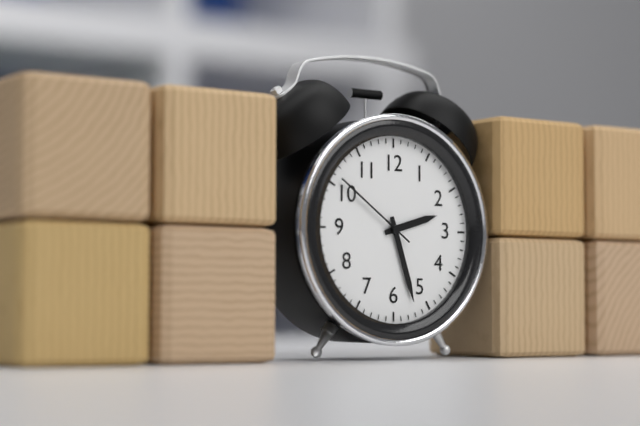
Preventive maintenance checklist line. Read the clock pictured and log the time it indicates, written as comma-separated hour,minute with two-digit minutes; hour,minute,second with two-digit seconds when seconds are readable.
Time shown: 2,27,51
